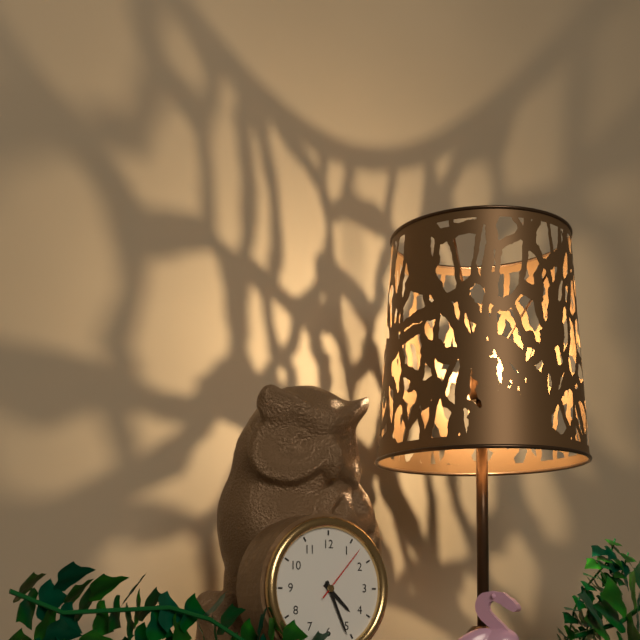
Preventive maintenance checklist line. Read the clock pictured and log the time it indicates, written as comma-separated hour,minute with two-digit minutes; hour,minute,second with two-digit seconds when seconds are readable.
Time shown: 4,26,07
